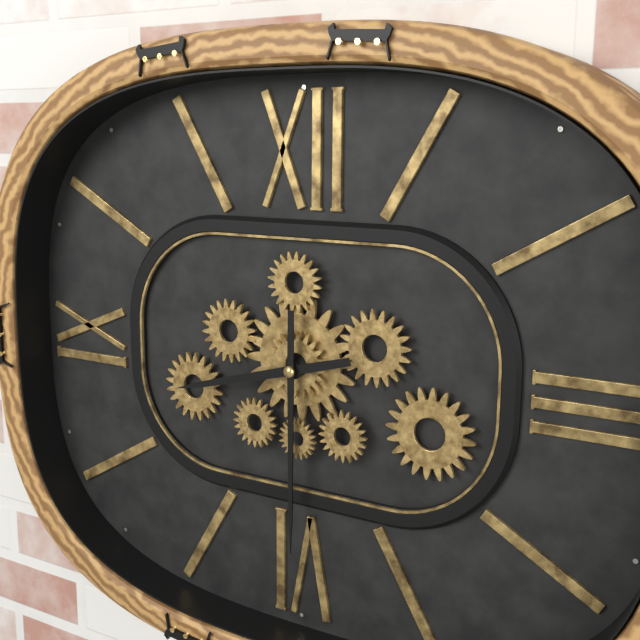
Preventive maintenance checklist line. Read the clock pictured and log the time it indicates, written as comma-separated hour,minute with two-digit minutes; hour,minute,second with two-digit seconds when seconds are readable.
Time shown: 8,30
